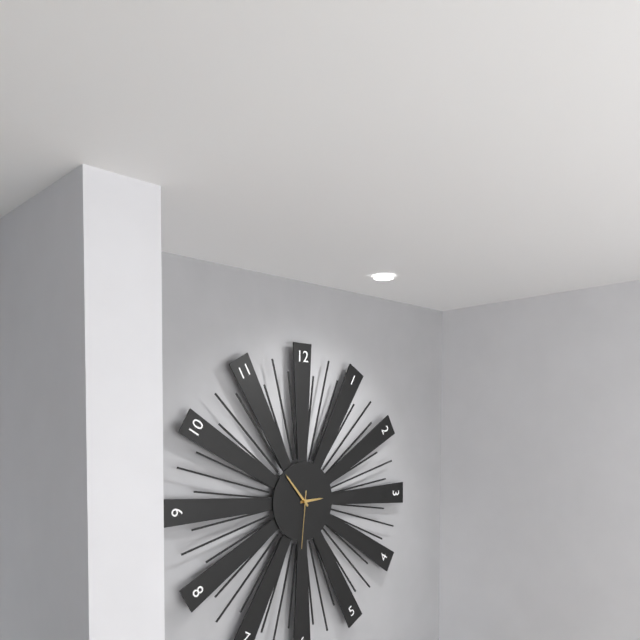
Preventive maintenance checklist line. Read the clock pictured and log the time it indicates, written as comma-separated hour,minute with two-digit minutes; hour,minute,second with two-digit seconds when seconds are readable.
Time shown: 2,53,31
